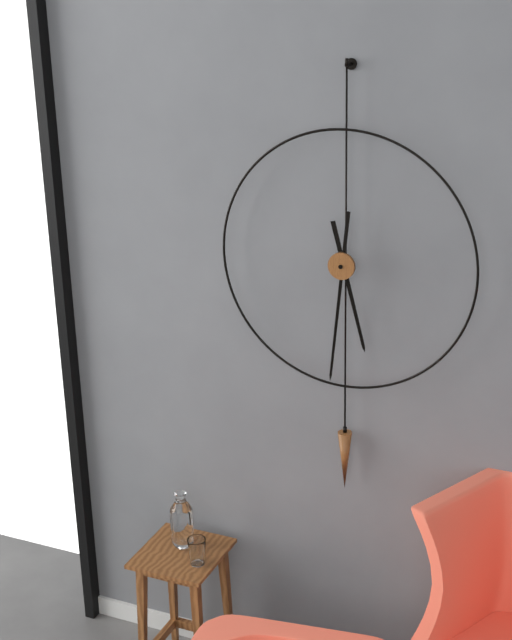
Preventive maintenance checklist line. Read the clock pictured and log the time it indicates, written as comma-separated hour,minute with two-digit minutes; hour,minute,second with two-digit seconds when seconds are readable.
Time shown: 5,31
